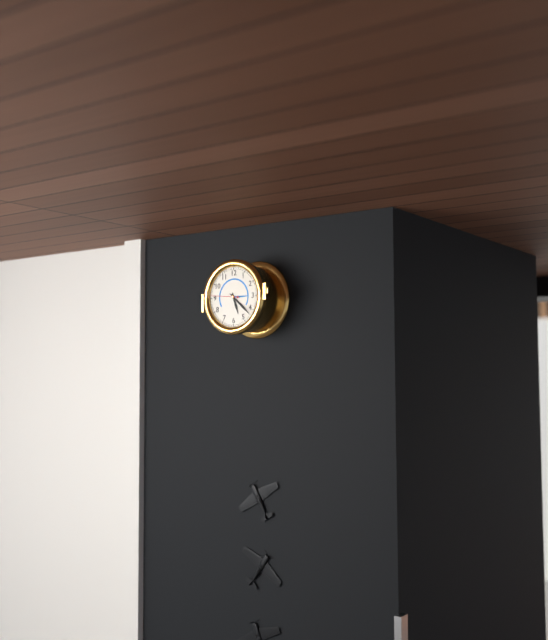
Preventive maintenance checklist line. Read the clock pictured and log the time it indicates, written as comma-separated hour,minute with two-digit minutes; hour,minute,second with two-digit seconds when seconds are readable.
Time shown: 5,22
